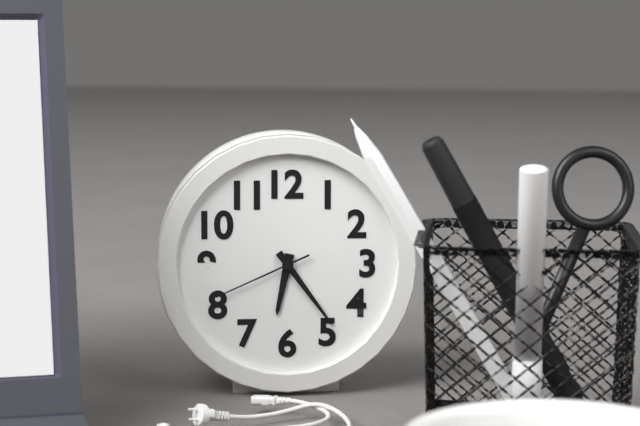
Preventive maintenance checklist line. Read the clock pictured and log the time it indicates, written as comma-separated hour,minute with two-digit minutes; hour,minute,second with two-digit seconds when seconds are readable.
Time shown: 6,24,41
